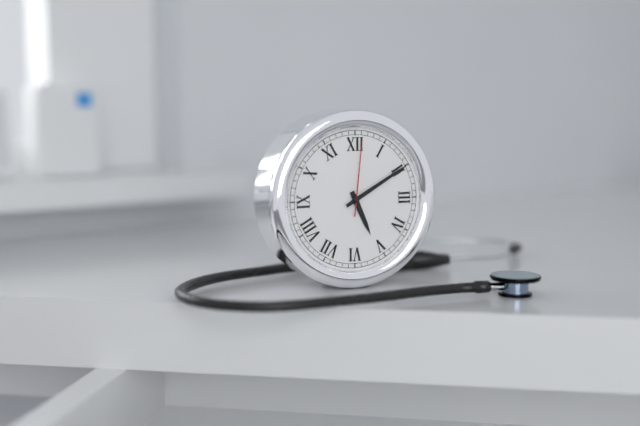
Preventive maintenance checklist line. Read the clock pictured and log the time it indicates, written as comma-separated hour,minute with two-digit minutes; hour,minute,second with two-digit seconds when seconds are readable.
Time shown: 5,10,01
